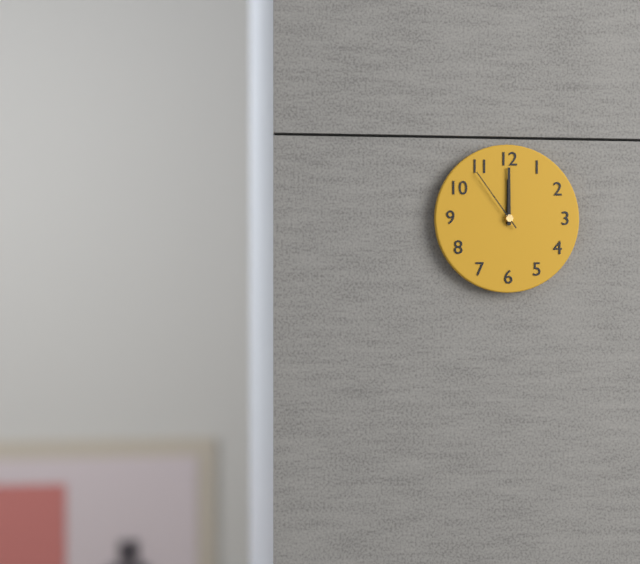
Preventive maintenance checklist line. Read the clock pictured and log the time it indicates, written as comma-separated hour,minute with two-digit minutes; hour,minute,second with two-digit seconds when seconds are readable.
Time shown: 12,00,54
